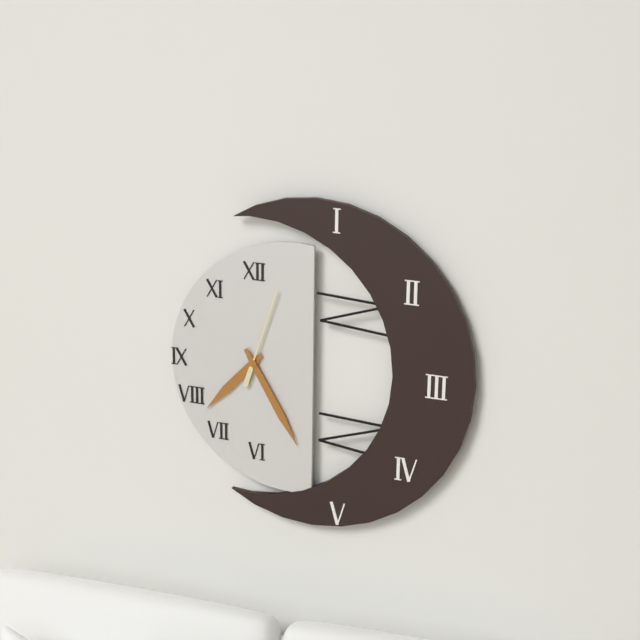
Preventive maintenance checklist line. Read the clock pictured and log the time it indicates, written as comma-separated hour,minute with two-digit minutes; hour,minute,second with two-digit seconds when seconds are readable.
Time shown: 7,25,03
